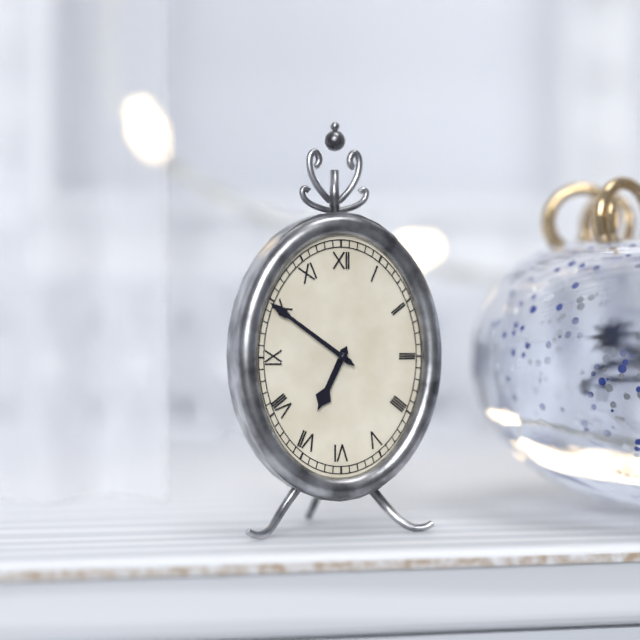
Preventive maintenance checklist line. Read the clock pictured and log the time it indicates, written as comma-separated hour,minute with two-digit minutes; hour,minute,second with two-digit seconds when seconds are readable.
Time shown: 6,51
